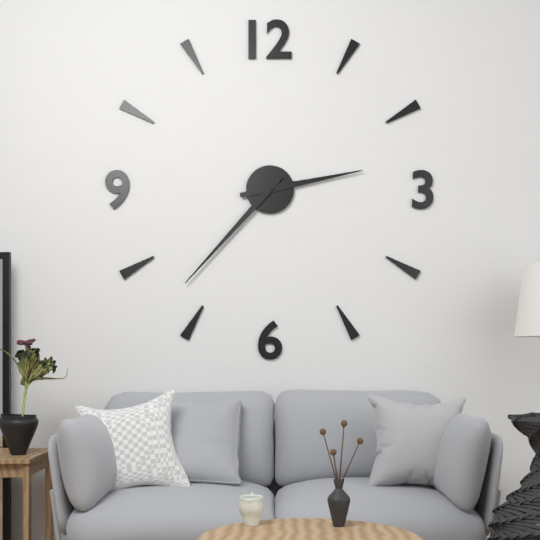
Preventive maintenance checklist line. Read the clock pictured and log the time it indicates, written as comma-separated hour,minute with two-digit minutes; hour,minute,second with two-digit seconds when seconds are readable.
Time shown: 2,37
